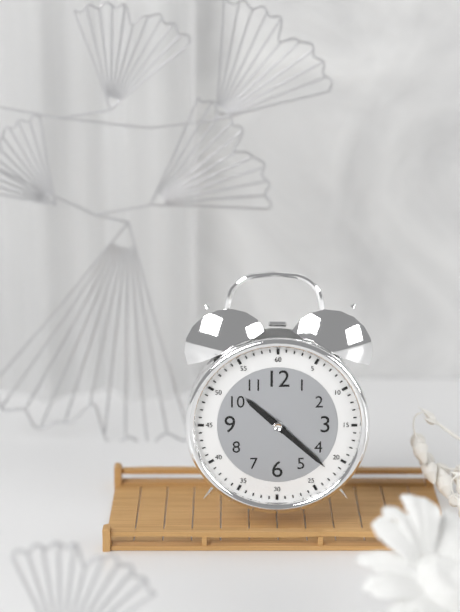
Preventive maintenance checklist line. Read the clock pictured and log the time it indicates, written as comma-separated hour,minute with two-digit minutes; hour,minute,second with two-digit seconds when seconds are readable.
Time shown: 10,22
